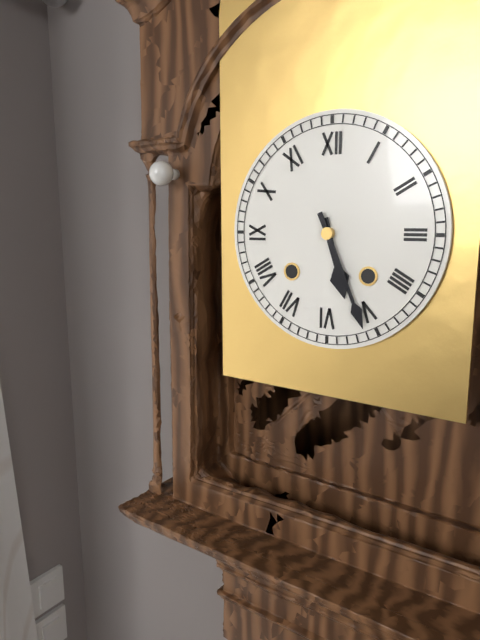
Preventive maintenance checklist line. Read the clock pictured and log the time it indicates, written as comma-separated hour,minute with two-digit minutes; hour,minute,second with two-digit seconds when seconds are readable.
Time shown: 5,26
